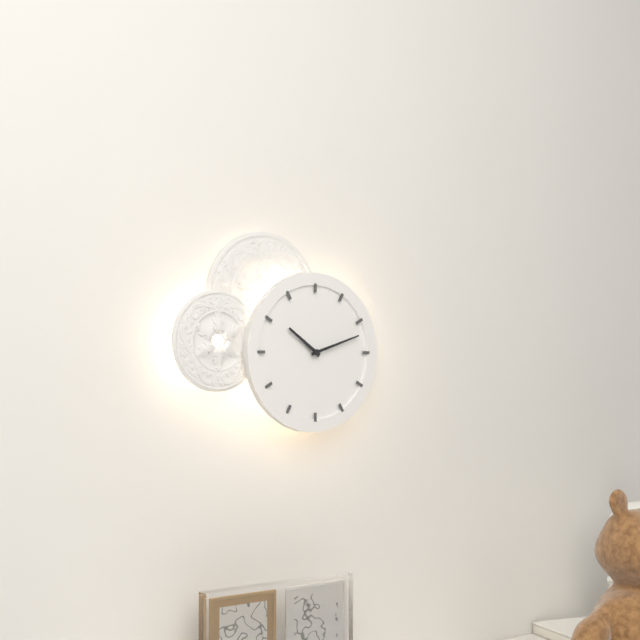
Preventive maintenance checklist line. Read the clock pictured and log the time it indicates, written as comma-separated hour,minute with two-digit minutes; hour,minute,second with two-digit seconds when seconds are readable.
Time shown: 10,12
